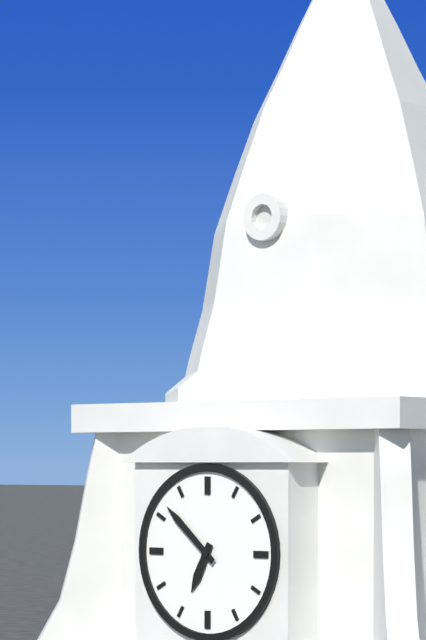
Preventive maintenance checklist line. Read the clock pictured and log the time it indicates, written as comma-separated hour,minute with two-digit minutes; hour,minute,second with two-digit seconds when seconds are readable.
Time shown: 6,52
